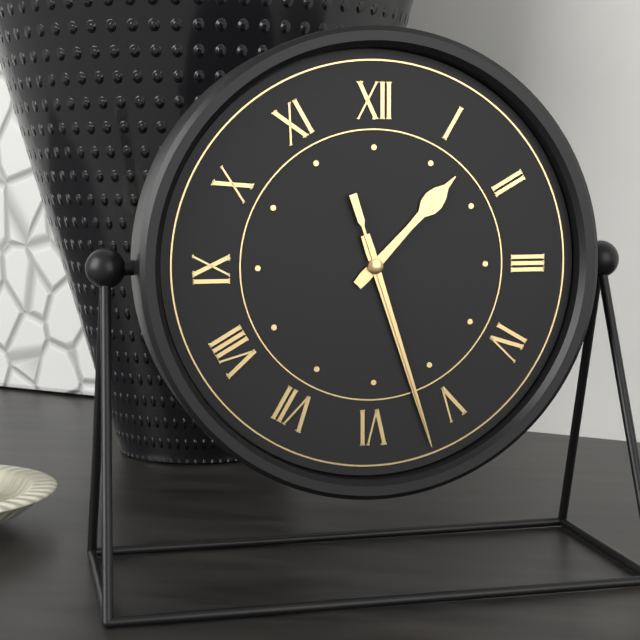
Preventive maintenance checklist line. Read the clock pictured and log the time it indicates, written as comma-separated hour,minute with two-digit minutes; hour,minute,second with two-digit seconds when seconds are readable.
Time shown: 1,27,27
